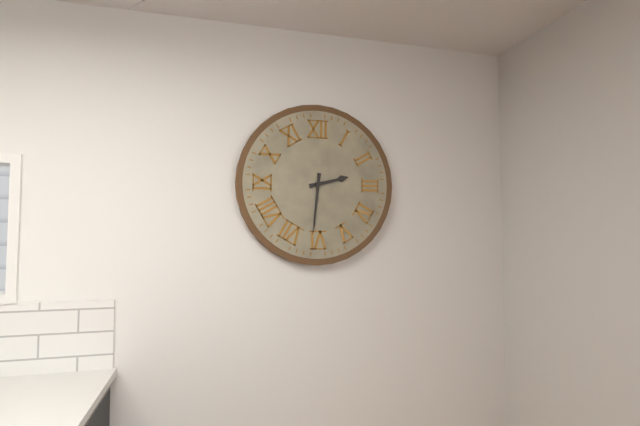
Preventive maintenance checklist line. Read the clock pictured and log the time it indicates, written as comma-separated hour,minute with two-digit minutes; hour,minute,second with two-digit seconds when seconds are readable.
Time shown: 2,31
